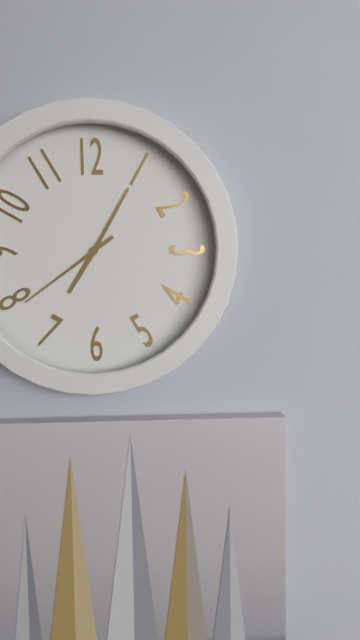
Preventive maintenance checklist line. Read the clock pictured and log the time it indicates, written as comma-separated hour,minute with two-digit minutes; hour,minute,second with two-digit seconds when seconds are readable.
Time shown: 7,05,39
